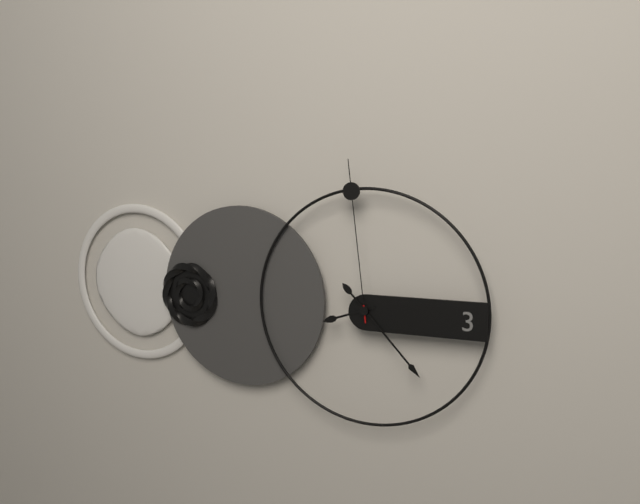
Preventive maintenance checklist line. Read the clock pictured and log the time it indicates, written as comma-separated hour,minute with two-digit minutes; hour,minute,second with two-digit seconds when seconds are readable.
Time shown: 8,23,59
